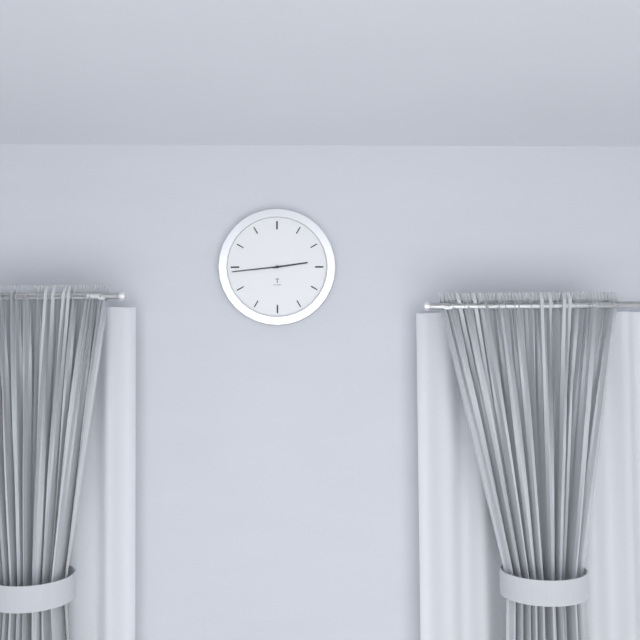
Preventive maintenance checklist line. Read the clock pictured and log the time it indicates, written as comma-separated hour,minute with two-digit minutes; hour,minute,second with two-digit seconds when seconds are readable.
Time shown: 2,44,44
